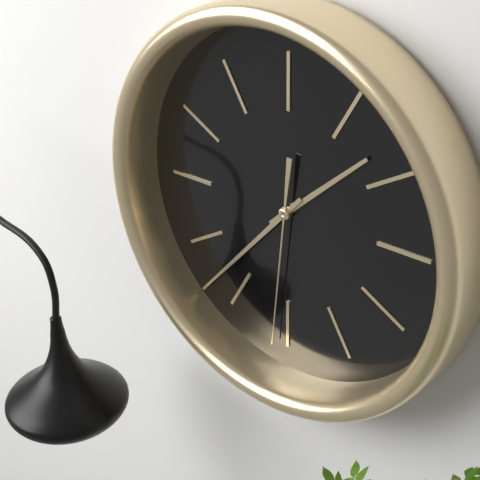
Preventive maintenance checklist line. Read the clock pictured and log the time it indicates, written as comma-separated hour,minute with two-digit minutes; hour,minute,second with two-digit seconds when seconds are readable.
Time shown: 1,37,31
